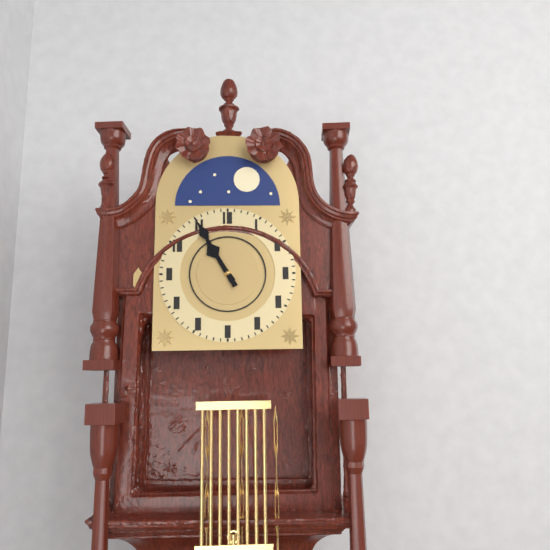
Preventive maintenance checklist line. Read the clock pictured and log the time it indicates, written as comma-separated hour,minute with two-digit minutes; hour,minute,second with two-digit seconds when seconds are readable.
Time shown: 10,55
